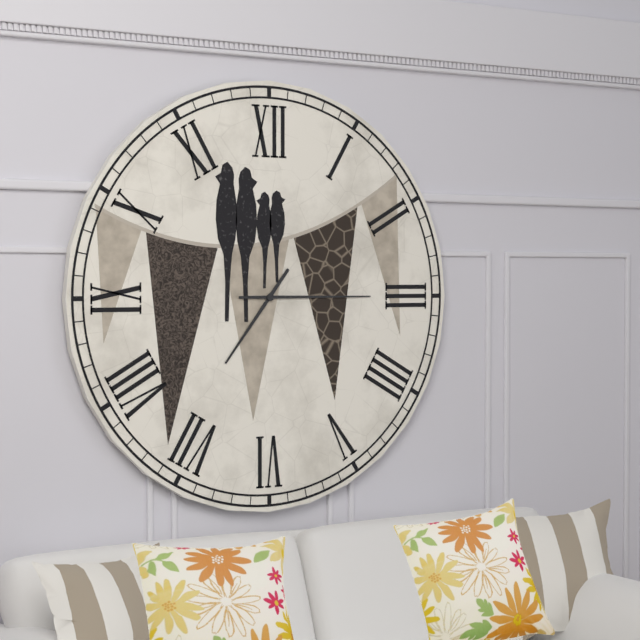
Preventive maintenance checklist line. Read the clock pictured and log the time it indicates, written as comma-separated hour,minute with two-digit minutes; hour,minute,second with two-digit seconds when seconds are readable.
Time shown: 7,15
